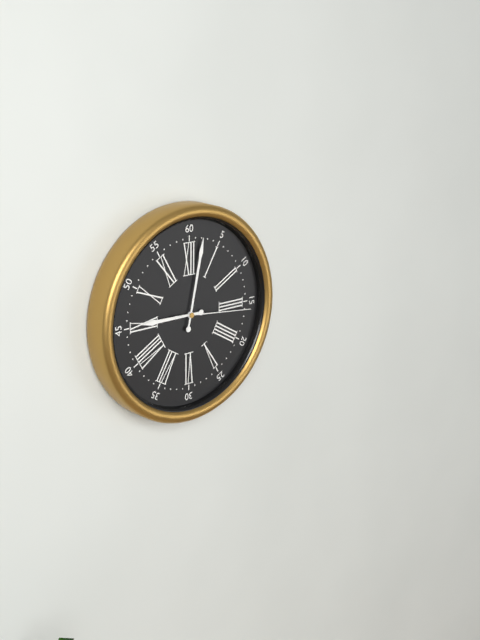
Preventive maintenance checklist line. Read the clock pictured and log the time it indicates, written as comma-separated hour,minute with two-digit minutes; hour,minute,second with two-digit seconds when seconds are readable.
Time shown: 9,02,16
